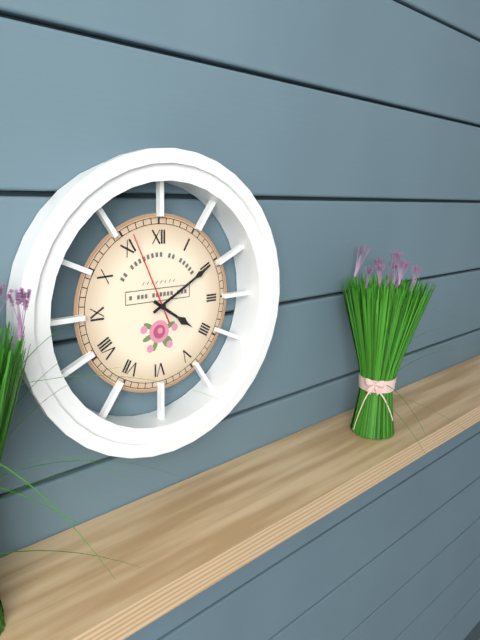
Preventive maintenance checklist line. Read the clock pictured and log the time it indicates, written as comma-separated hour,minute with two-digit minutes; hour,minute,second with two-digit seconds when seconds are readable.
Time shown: 4,10,56
